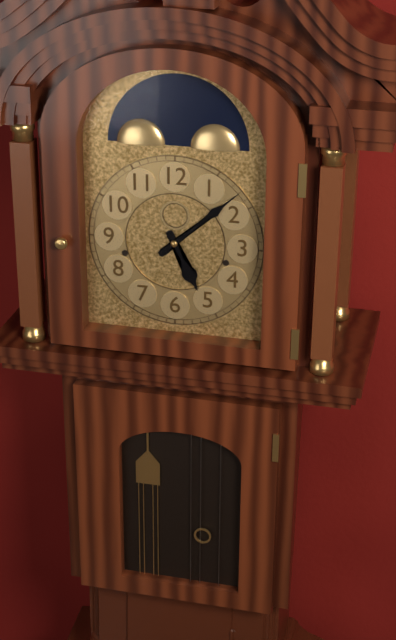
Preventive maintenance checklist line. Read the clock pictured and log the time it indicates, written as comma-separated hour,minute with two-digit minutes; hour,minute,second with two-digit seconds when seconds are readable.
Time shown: 5,08
